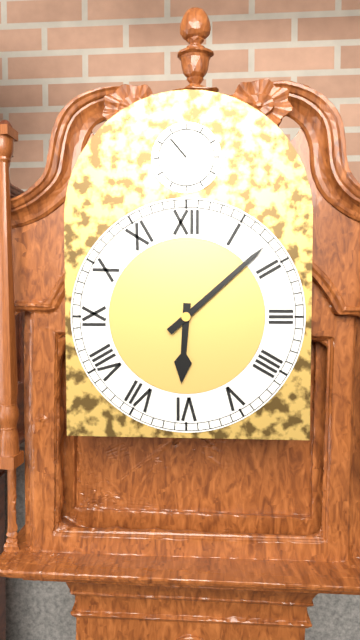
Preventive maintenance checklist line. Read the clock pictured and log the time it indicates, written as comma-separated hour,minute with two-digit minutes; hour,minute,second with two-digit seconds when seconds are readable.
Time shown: 6,08
